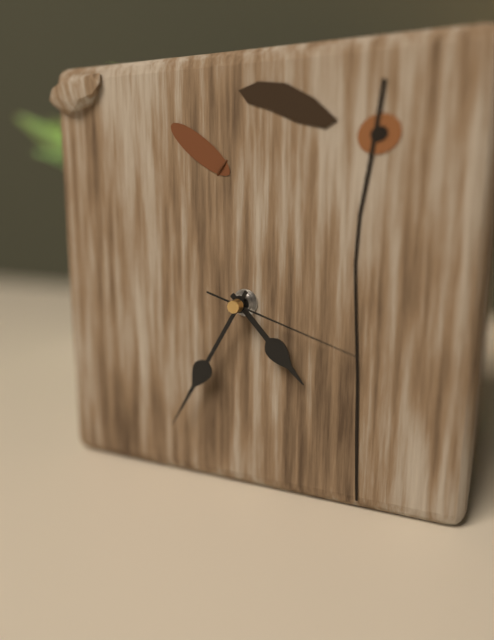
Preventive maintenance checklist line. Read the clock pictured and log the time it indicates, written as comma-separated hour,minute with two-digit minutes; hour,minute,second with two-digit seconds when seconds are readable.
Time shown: 4,35,18
